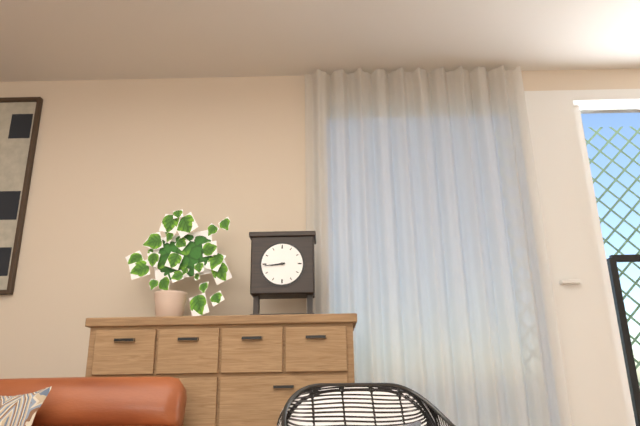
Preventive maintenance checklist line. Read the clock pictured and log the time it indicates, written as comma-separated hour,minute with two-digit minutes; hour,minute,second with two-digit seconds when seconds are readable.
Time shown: 8,44
